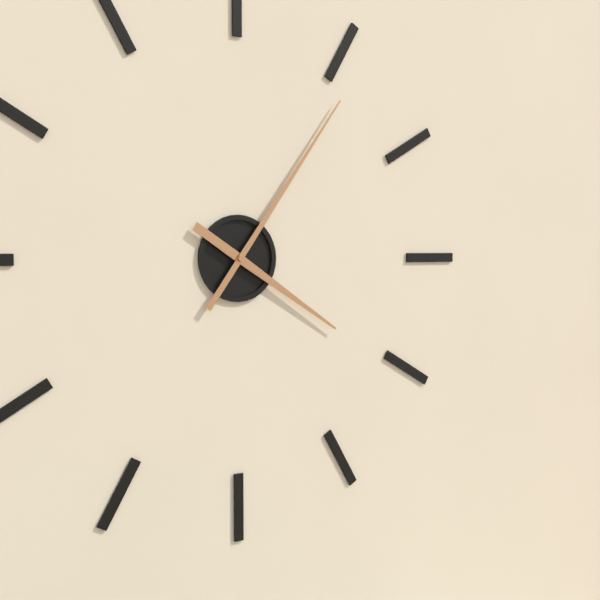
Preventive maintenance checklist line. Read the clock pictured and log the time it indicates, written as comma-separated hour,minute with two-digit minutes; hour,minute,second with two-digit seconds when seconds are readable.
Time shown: 4,06
